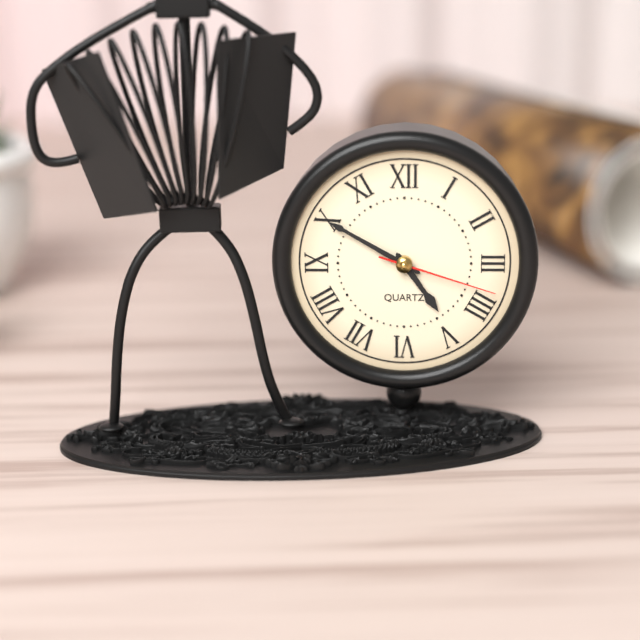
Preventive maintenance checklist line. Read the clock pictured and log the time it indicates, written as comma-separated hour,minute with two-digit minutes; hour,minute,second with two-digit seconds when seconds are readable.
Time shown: 4,50,18
